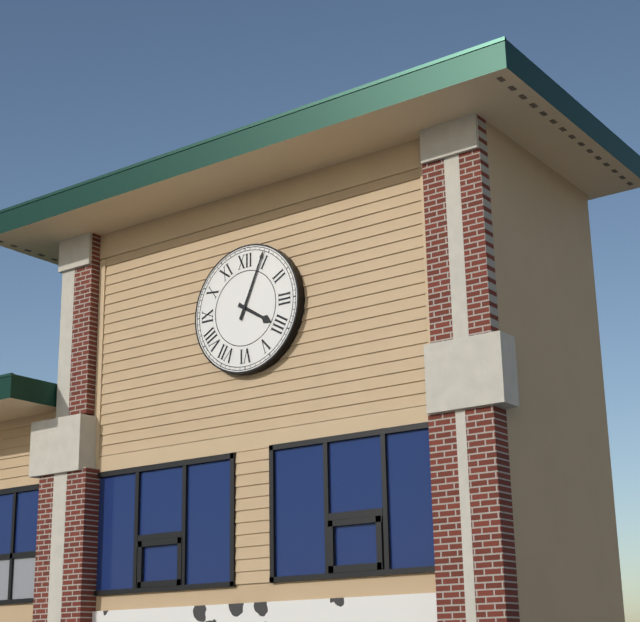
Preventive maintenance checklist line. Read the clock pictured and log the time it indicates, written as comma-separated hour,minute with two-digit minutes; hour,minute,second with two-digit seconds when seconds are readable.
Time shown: 4,04
